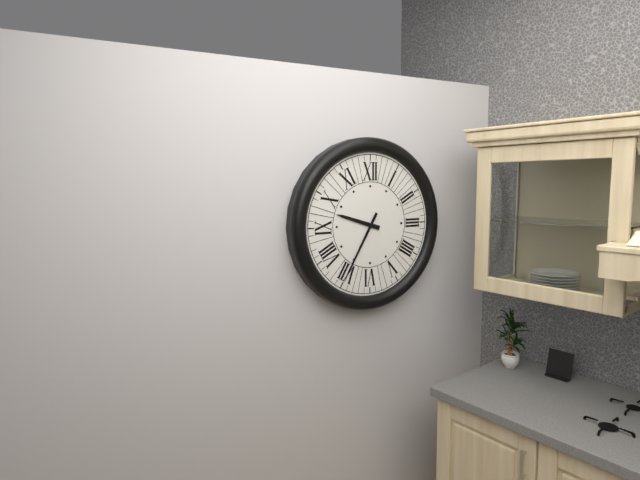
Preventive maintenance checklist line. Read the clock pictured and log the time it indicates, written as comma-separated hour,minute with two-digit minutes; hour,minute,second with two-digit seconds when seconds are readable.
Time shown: 9,35
